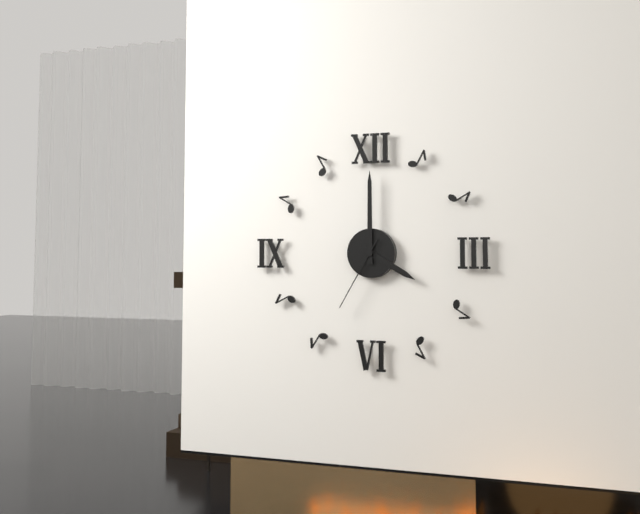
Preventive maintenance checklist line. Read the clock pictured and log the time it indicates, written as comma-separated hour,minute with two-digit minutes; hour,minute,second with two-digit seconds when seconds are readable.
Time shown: 4,00,35
